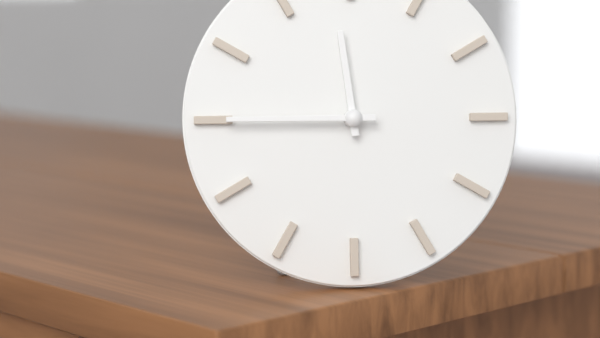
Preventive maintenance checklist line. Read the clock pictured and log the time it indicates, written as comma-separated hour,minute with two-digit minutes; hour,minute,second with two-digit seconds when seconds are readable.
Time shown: 11,45
